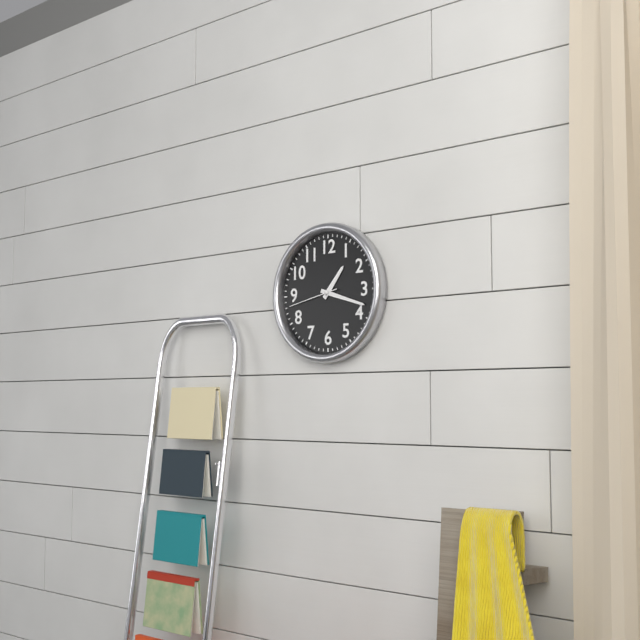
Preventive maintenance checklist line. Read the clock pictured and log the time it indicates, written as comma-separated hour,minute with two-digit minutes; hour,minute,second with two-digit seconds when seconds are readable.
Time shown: 1,18,43
